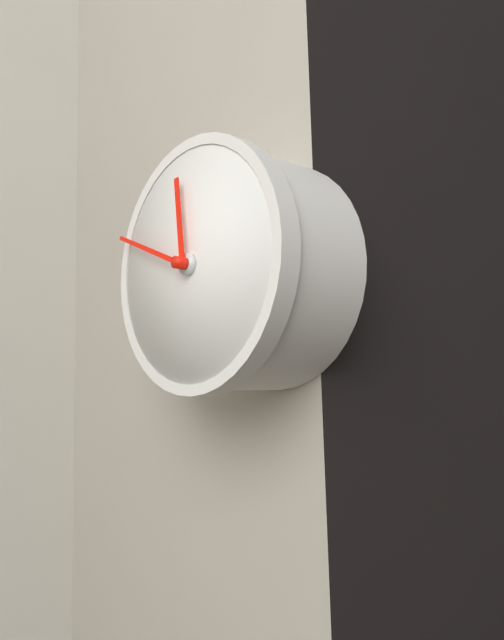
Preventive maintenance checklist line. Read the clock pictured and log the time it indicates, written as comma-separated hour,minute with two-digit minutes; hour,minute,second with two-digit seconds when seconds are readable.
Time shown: 11,49
